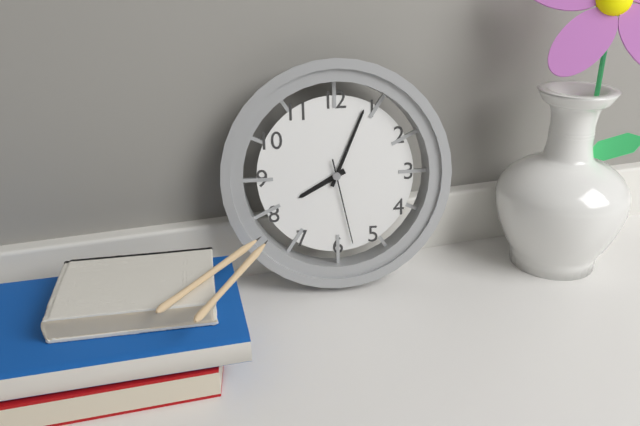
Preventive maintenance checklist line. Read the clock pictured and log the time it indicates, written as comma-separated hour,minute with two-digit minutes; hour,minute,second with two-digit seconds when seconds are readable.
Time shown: 8,04,28
